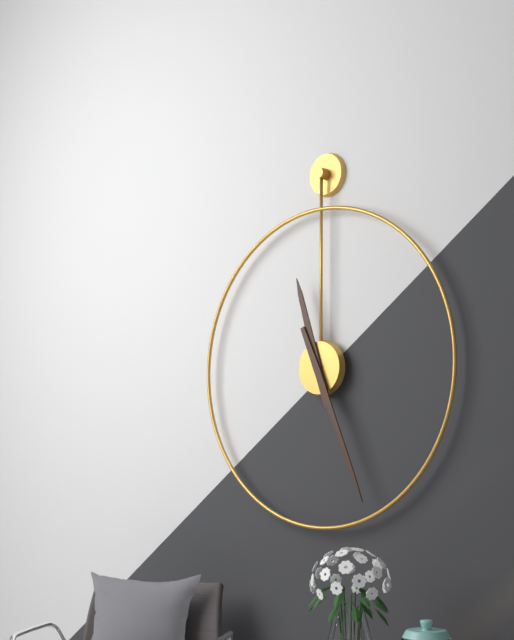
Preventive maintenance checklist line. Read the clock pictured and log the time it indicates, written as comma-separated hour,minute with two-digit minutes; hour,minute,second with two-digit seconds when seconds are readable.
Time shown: 11,26
